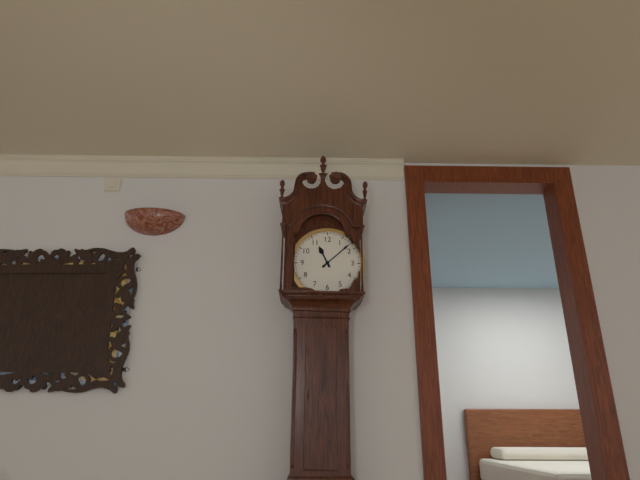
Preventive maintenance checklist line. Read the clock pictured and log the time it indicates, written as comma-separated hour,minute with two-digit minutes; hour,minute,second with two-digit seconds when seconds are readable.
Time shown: 11,08
